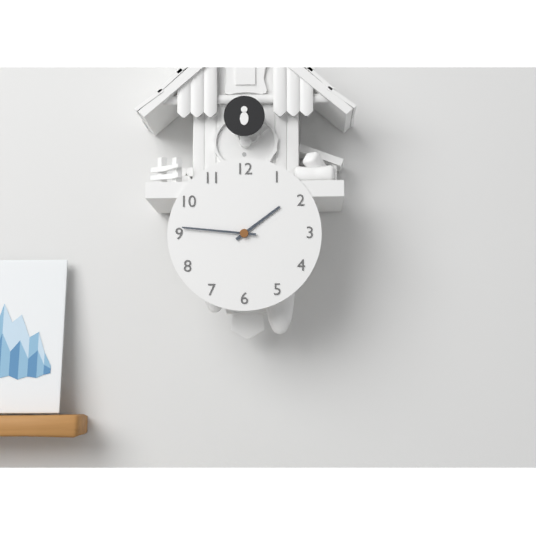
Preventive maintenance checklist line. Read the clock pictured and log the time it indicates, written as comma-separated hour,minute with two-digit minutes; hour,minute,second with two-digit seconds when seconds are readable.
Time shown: 1,46
